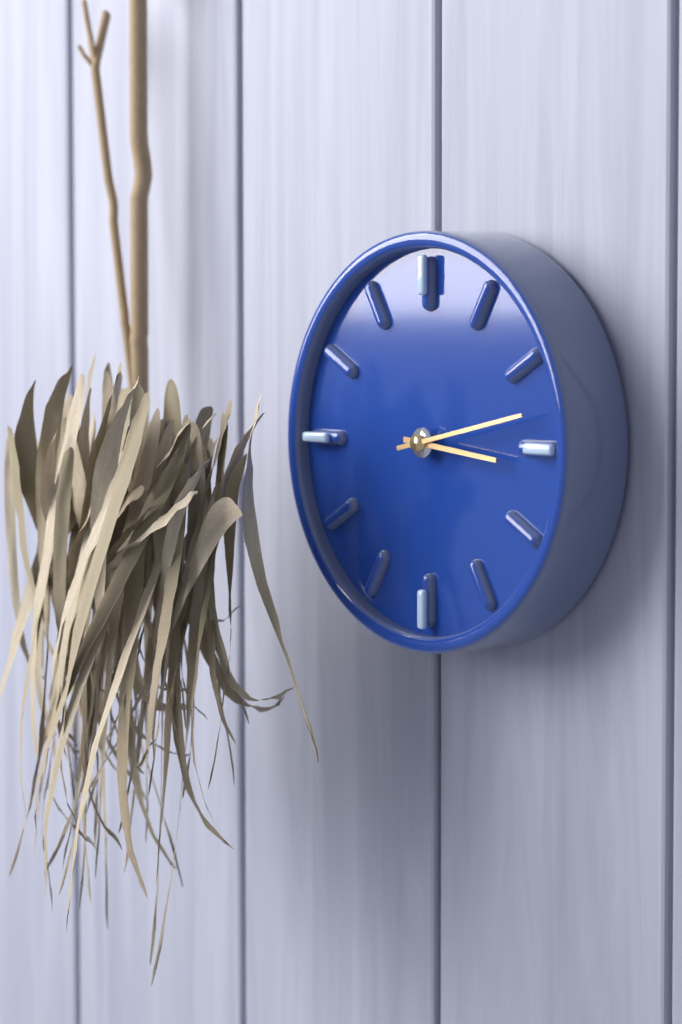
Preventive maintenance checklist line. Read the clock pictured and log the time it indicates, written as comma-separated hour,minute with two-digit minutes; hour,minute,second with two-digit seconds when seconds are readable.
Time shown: 3,13
